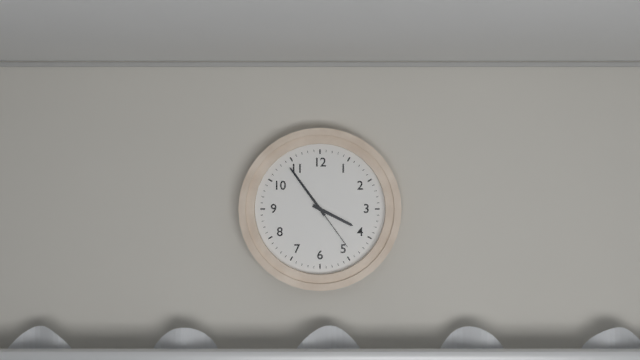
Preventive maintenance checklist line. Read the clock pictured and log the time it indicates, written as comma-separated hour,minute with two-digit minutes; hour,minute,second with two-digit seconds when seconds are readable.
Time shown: 3,54,24
